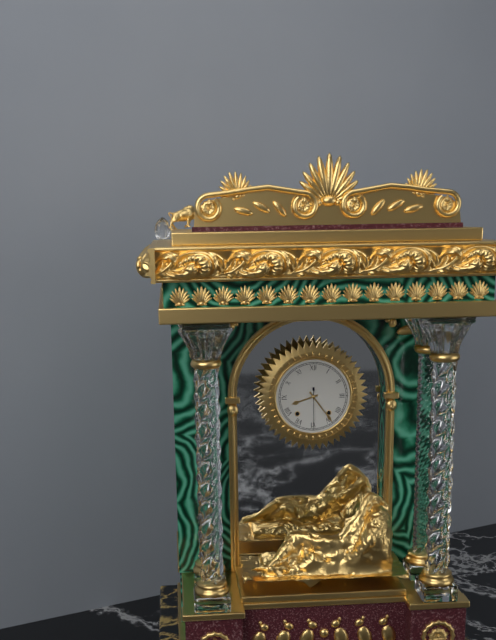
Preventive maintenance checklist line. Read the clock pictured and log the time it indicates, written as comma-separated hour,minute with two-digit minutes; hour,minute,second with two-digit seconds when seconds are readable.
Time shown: 8,24
